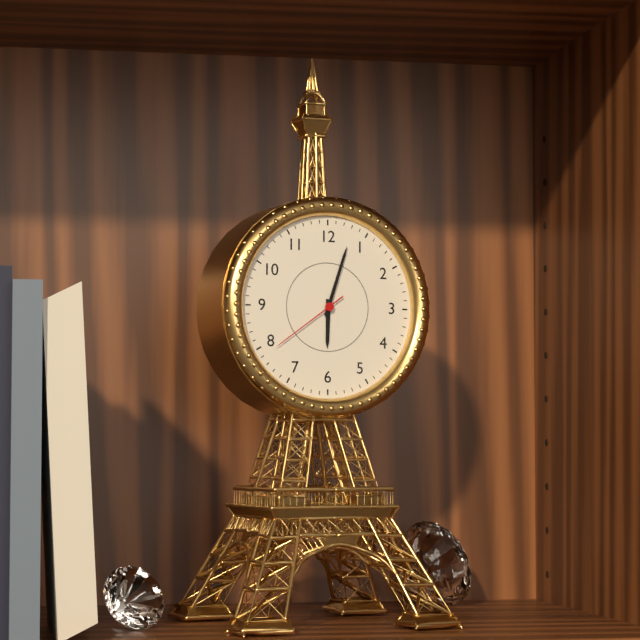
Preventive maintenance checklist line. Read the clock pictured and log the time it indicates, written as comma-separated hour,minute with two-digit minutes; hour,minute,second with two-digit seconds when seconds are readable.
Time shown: 6,03,39
